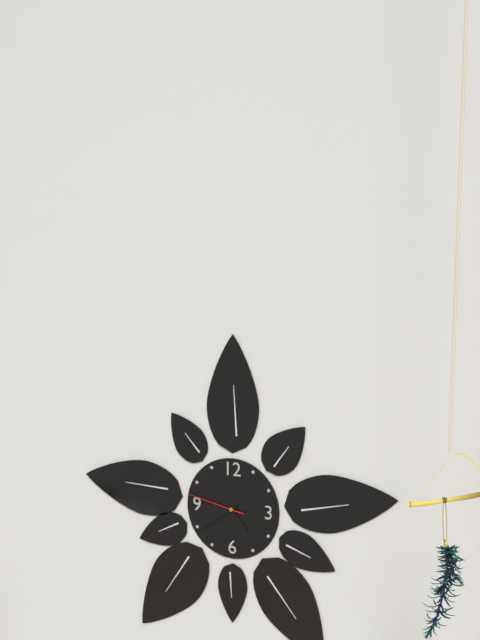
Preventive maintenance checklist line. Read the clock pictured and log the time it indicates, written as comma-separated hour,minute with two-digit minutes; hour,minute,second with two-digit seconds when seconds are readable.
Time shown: 4,39,47
